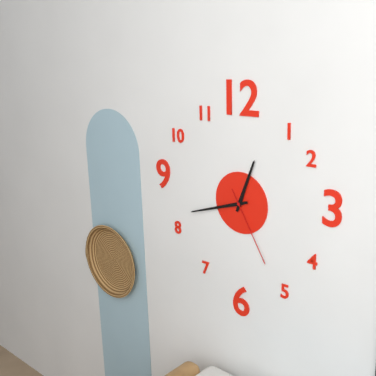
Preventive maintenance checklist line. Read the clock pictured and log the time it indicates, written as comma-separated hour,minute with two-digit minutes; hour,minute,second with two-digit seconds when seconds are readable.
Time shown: 12,42,25
